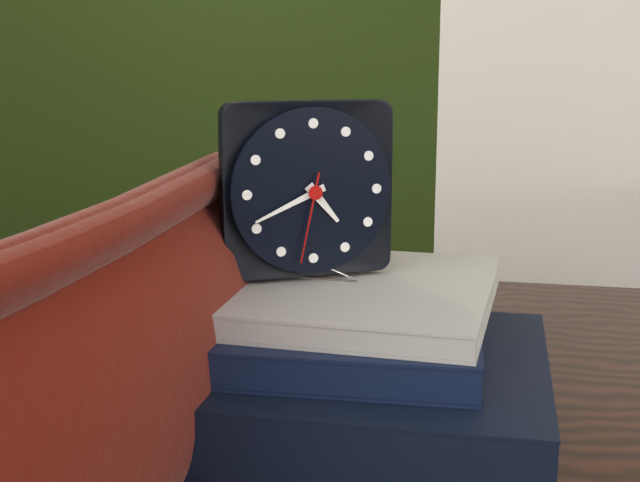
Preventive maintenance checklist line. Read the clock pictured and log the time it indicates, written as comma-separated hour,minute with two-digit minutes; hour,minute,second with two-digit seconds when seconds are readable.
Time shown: 4,41,32
